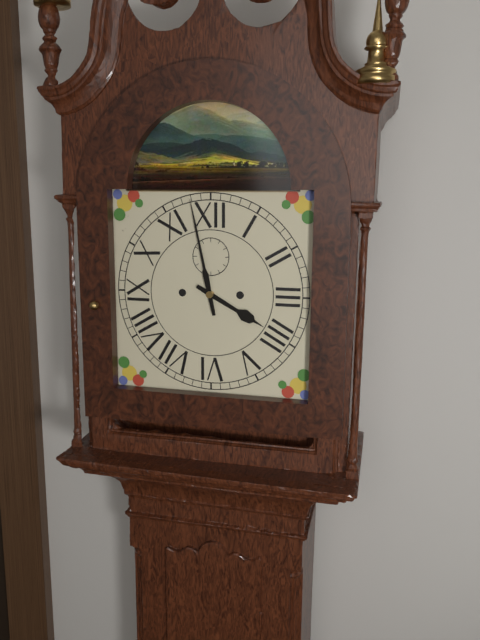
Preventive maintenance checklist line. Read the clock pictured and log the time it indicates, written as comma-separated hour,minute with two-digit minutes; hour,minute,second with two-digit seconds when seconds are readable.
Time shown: 3,58
